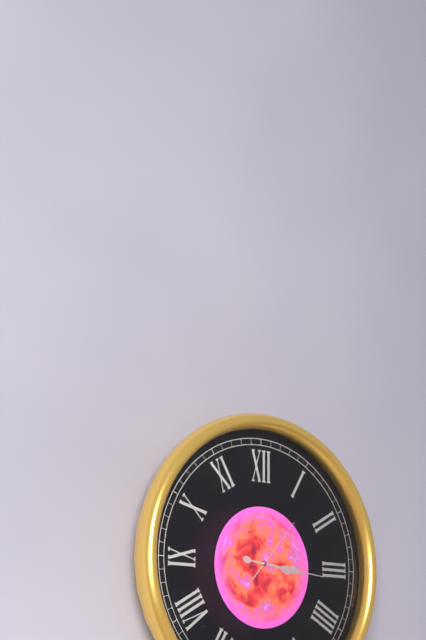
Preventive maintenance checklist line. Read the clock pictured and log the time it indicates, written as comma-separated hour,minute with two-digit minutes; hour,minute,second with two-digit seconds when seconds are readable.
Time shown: 3,16,07
